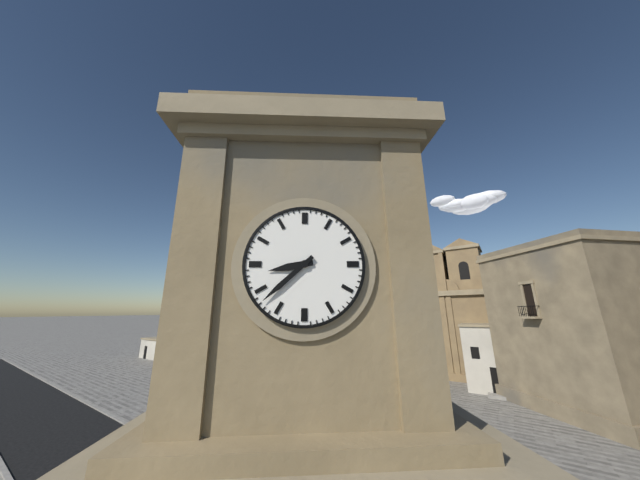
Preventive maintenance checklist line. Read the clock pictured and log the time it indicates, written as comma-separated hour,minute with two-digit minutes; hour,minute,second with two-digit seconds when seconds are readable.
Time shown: 8,38
